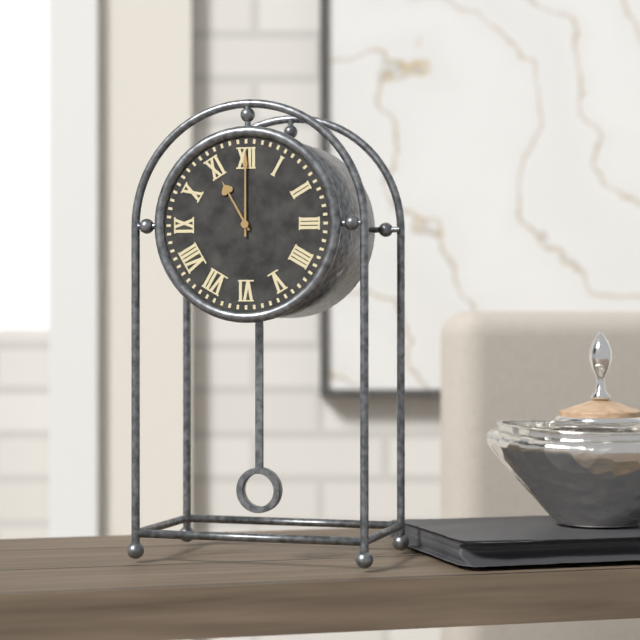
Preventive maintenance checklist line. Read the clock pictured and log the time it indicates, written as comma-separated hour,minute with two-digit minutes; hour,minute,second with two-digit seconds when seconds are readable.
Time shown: 11,00
